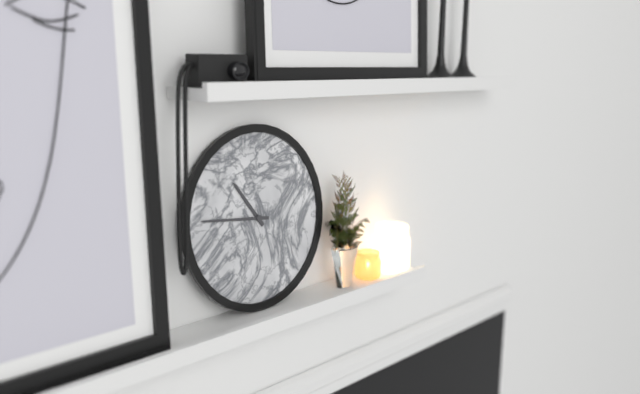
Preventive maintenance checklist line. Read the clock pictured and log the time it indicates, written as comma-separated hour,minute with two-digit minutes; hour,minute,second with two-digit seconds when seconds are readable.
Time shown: 10,46
